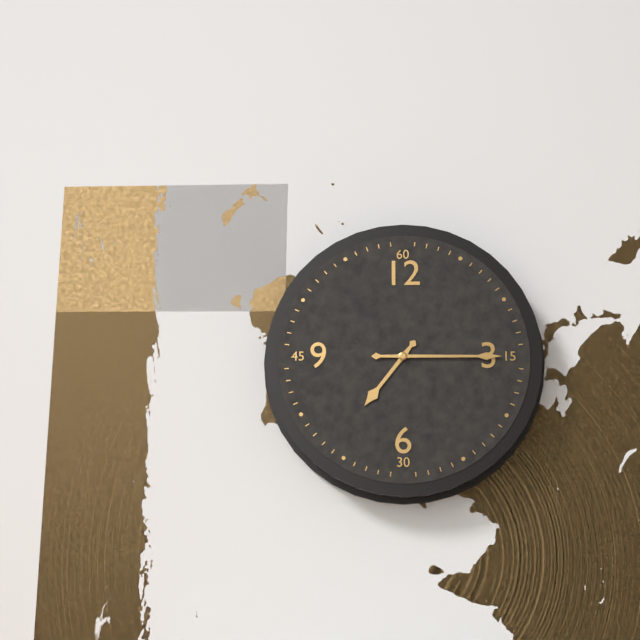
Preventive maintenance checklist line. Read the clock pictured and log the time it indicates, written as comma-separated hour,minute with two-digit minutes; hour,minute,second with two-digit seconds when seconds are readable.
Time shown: 7,15
